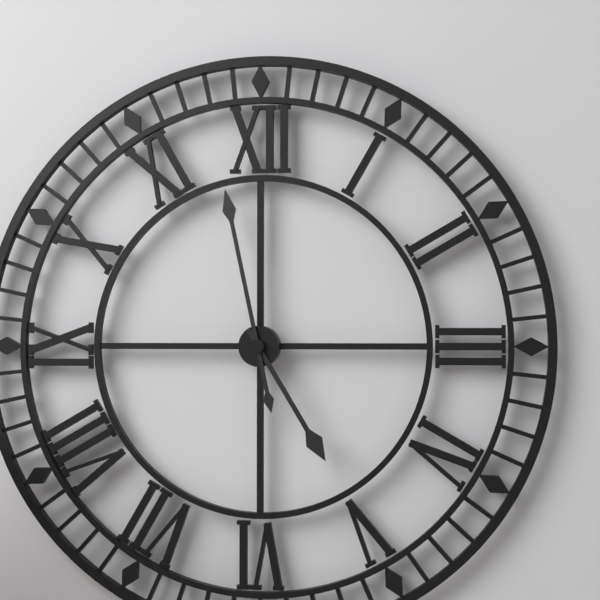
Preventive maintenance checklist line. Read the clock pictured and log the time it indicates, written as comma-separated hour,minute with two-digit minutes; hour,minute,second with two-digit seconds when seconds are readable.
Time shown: 4,58
